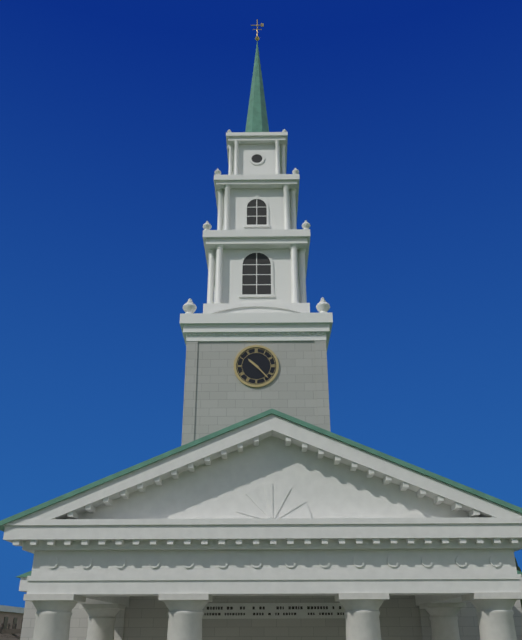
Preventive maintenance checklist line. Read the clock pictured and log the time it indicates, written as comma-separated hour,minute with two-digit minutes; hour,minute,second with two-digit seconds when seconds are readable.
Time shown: 10,23
